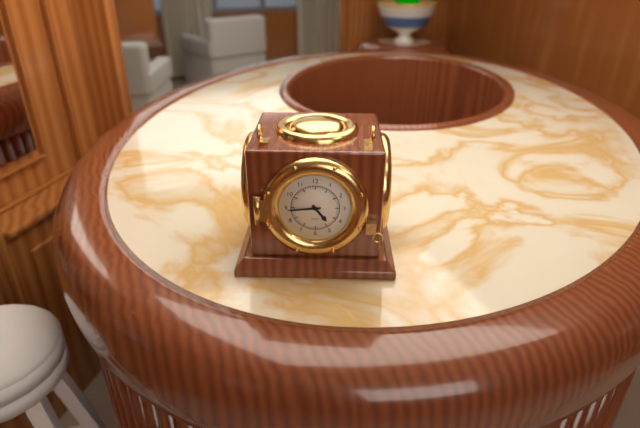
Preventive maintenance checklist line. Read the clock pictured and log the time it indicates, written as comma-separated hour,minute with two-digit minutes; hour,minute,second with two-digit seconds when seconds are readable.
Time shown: 4,44
